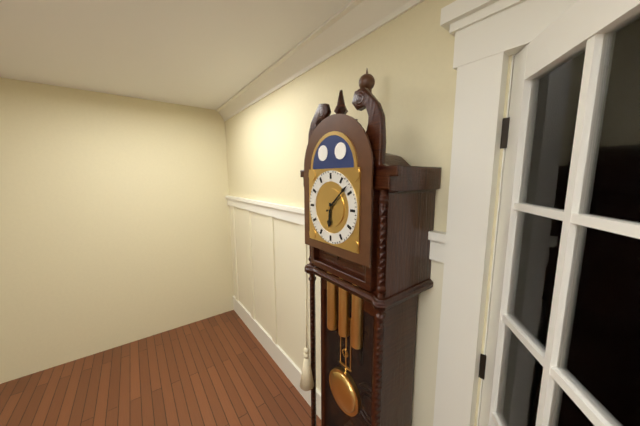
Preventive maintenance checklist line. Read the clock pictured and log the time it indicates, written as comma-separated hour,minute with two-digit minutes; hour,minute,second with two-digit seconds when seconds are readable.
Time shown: 6,08
